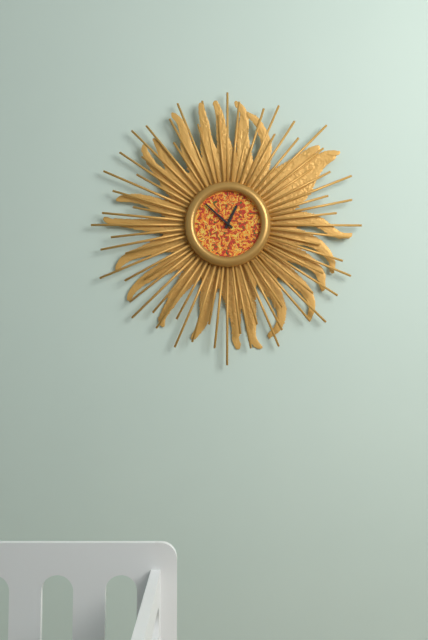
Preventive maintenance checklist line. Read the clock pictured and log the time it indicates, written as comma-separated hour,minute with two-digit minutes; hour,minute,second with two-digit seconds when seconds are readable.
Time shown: 12,52
